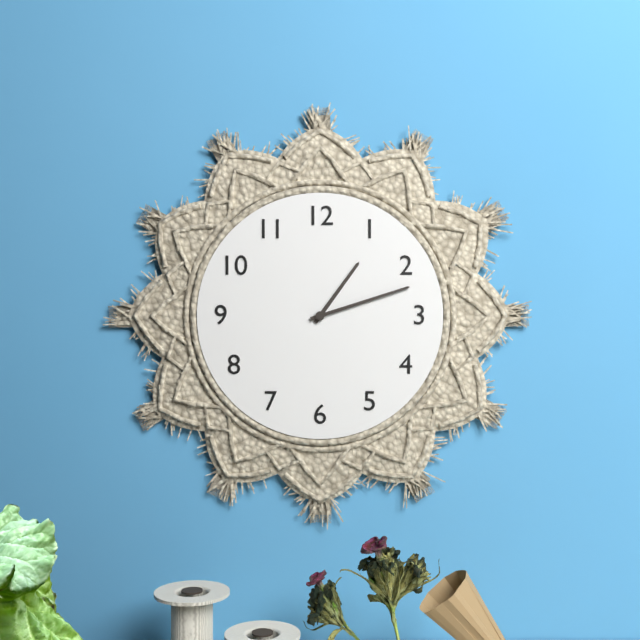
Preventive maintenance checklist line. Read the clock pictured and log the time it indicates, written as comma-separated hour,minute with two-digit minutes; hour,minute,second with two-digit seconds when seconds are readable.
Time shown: 1,12
